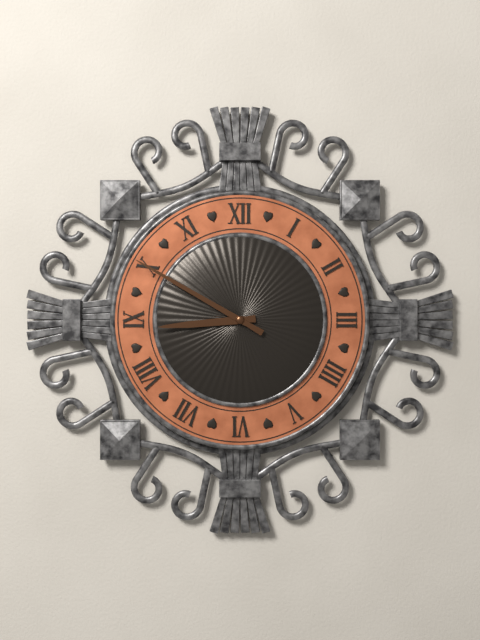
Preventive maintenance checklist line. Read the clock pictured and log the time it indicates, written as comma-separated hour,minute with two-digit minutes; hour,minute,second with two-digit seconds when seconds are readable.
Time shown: 8,50
